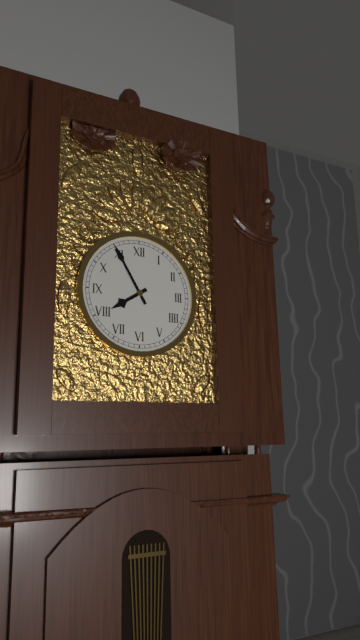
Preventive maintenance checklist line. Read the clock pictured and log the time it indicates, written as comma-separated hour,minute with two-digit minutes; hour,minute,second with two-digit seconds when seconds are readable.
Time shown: 7,55
